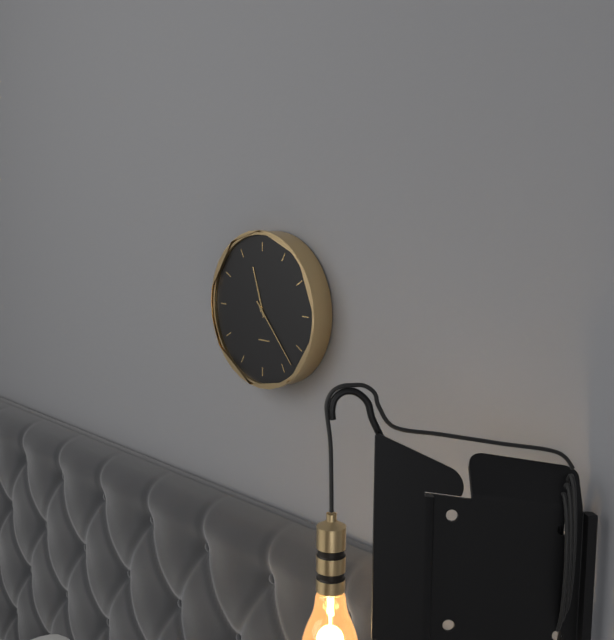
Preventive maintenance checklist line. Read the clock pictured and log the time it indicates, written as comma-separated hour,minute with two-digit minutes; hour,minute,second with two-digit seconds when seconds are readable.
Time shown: 11,23
